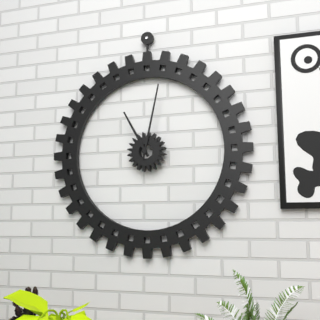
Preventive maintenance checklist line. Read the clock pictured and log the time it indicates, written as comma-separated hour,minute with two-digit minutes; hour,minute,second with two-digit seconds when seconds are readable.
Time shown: 11,02
